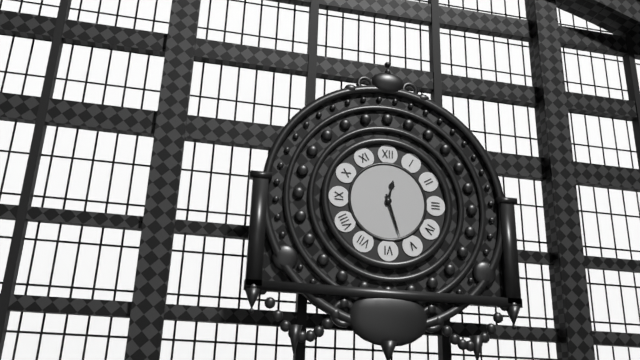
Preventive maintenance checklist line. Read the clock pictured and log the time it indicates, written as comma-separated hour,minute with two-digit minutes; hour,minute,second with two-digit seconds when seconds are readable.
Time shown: 12,27
